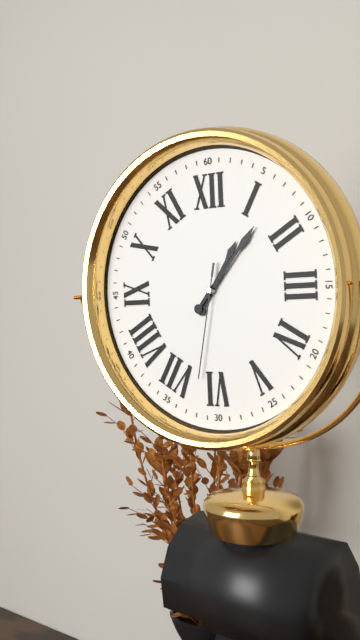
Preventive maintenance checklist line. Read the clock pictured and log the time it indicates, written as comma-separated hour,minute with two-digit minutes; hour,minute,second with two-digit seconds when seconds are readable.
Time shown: 1,07,32
